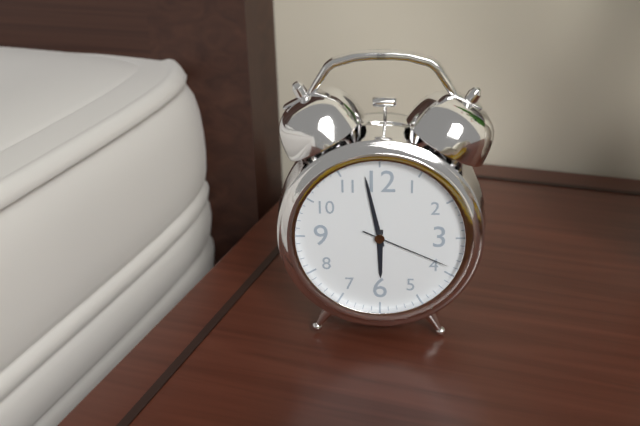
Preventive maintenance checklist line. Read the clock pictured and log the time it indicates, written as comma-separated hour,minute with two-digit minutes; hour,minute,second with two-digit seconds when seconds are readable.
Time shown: 5,58,19
